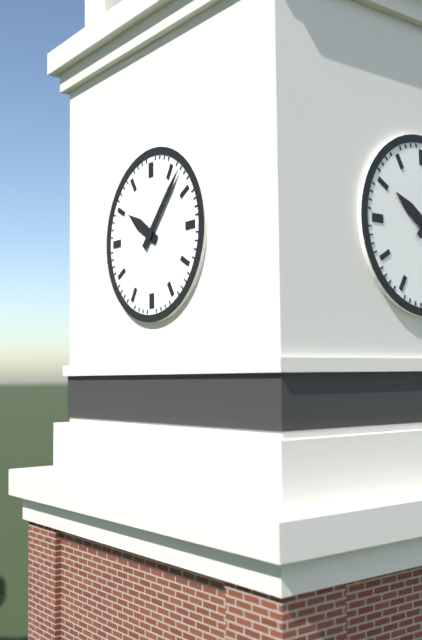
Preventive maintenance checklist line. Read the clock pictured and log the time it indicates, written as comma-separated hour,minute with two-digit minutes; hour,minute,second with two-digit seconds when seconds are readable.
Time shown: 10,07
